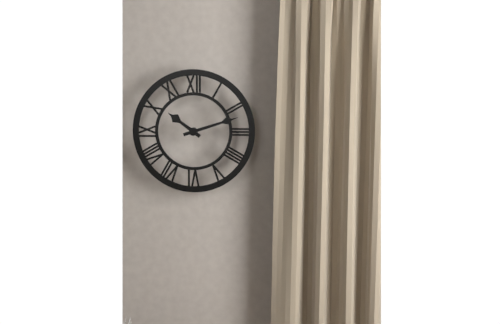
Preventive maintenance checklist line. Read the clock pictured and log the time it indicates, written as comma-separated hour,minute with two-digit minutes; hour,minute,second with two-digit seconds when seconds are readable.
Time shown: 10,12
